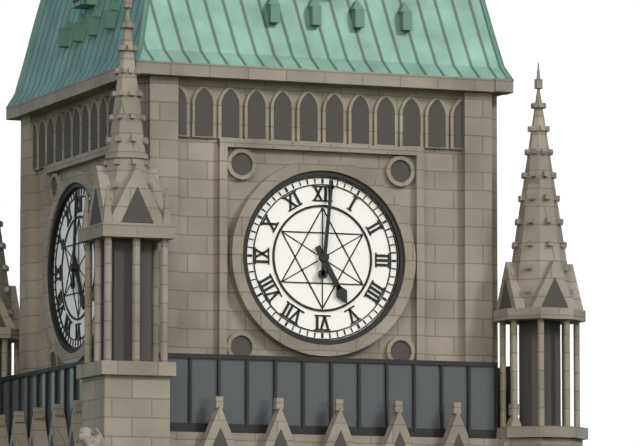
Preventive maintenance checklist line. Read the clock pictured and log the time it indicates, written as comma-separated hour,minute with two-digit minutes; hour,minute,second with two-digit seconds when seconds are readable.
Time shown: 5,01
